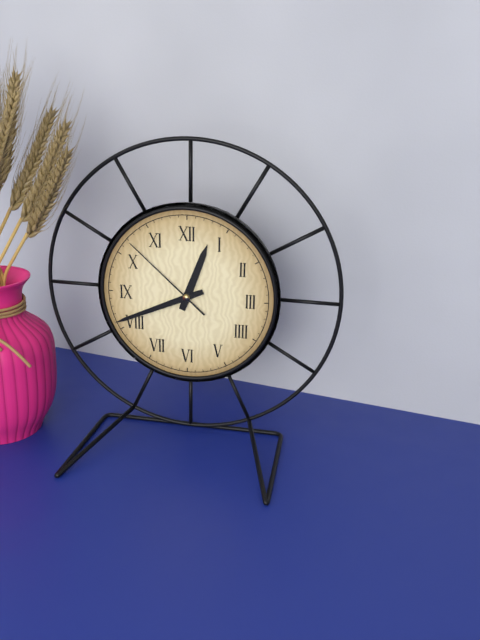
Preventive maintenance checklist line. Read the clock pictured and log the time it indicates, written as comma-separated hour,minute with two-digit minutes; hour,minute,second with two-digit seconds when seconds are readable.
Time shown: 12,41,52
